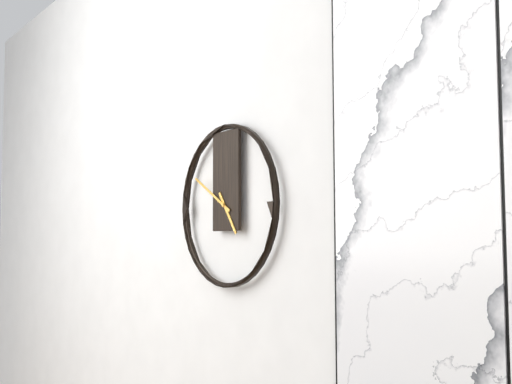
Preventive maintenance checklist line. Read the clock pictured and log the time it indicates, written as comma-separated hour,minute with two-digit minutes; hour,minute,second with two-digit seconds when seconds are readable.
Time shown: 4,50
